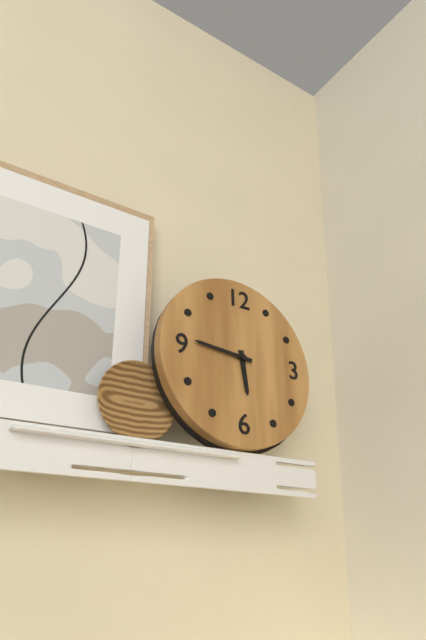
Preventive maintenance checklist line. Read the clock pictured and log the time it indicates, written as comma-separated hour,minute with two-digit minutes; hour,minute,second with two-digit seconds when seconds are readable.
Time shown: 5,46
